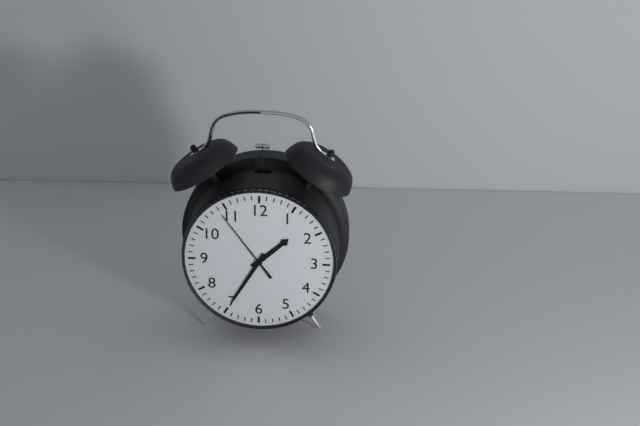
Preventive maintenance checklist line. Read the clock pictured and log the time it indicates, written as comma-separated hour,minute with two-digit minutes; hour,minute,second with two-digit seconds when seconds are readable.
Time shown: 1,35,54
